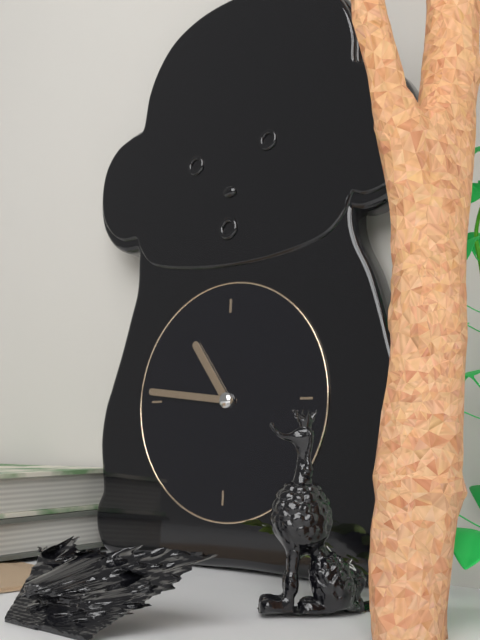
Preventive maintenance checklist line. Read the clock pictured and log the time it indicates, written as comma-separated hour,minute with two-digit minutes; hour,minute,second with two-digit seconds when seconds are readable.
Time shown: 10,46
